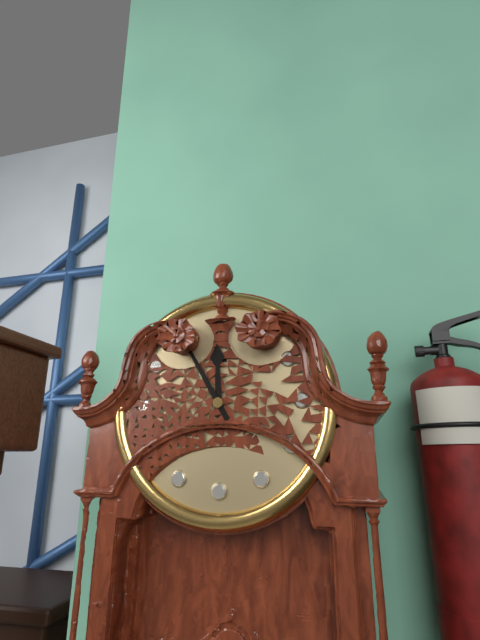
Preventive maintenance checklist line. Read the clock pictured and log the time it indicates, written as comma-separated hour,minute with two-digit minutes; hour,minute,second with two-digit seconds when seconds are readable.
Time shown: 11,55
